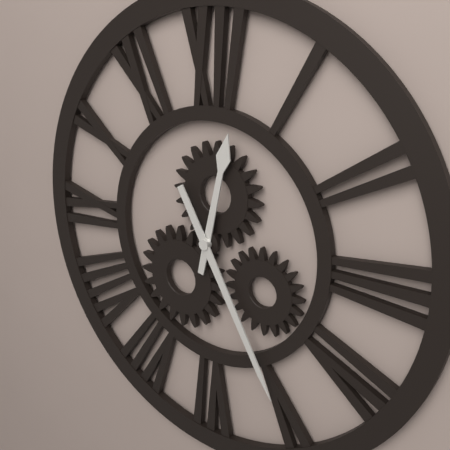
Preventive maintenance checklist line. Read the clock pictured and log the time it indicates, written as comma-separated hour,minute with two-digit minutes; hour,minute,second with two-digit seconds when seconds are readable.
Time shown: 12,25
